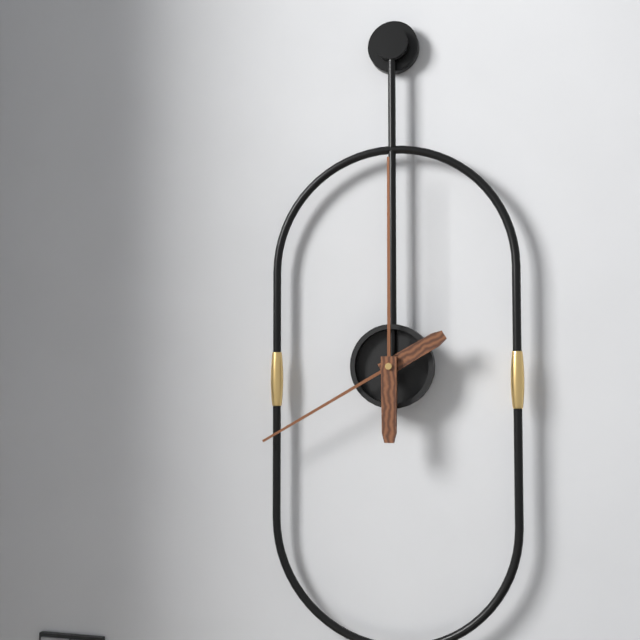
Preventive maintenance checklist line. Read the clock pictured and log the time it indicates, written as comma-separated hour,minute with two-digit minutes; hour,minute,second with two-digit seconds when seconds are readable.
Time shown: 8,00
